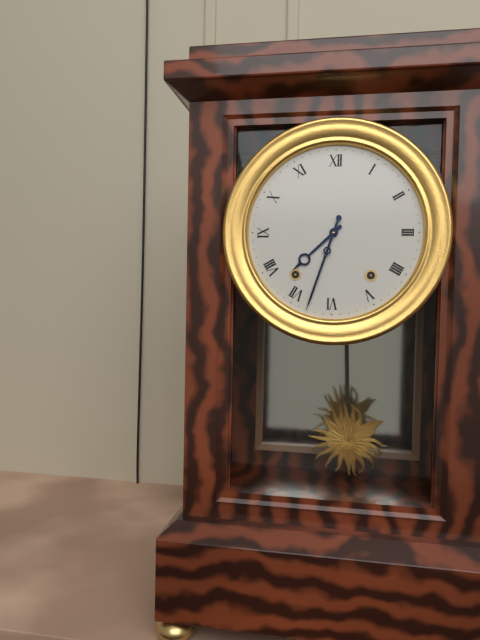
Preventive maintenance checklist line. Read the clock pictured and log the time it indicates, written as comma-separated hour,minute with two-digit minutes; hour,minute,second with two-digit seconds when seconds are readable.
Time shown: 7,33
